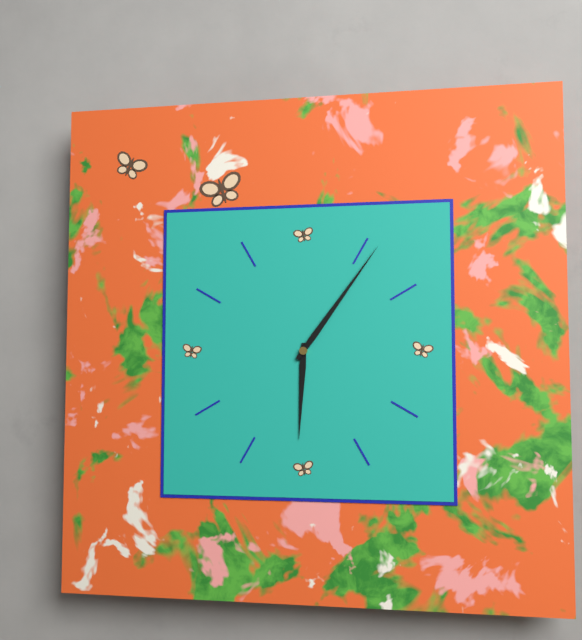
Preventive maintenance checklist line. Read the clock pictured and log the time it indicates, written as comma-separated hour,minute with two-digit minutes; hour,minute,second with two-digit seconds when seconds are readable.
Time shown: 6,06
